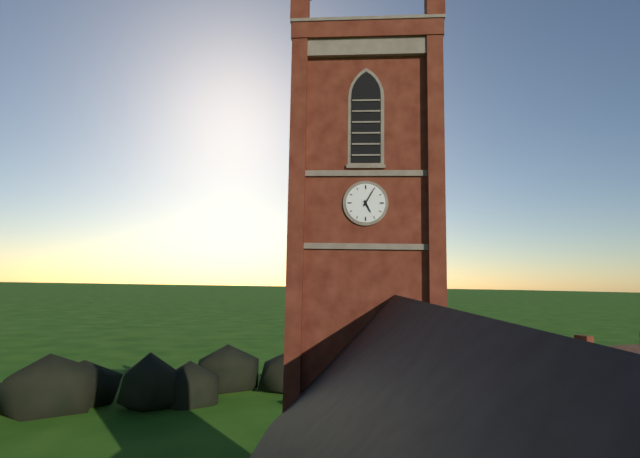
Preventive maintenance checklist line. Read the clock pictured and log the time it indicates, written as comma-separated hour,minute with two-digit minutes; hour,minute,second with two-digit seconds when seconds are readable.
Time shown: 5,05
